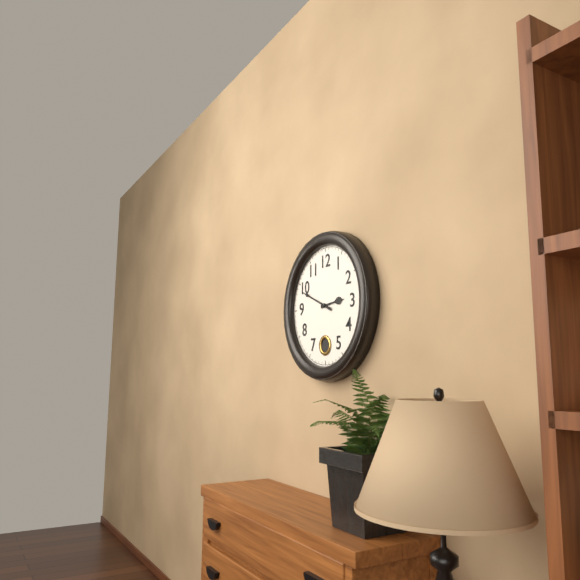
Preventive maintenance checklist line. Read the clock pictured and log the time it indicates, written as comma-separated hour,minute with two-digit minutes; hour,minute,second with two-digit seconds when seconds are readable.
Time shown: 2,49
